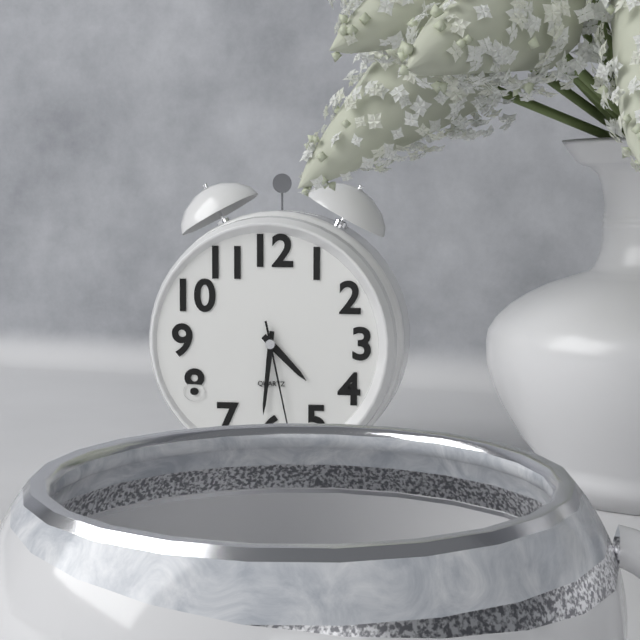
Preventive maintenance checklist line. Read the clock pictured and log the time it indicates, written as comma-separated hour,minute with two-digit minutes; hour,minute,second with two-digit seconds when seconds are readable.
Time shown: 4,31,28
